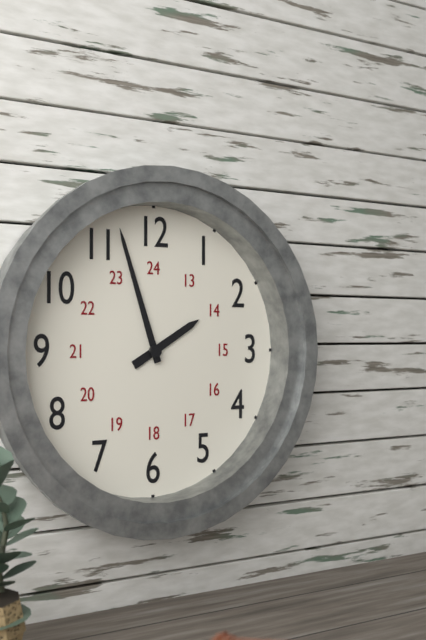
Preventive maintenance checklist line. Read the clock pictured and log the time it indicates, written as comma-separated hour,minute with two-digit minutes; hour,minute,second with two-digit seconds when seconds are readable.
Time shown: 1,57
